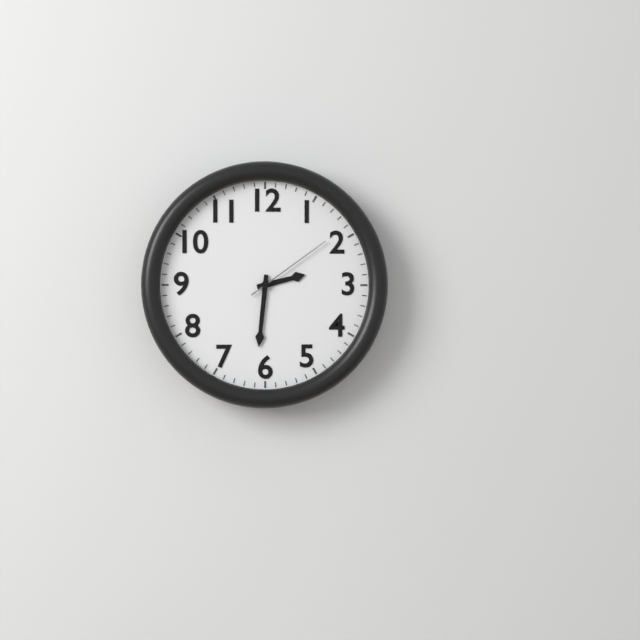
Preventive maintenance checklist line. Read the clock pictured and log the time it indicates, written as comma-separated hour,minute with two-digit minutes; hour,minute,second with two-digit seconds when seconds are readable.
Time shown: 2,31,09
